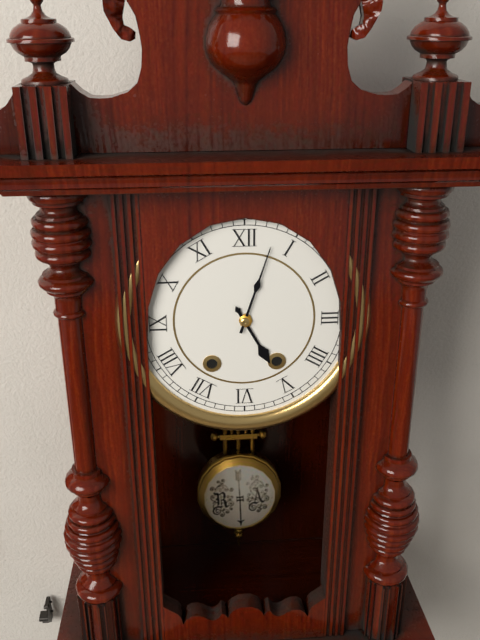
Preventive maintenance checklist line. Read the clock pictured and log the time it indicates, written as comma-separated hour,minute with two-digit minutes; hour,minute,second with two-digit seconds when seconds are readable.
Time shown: 5,03
